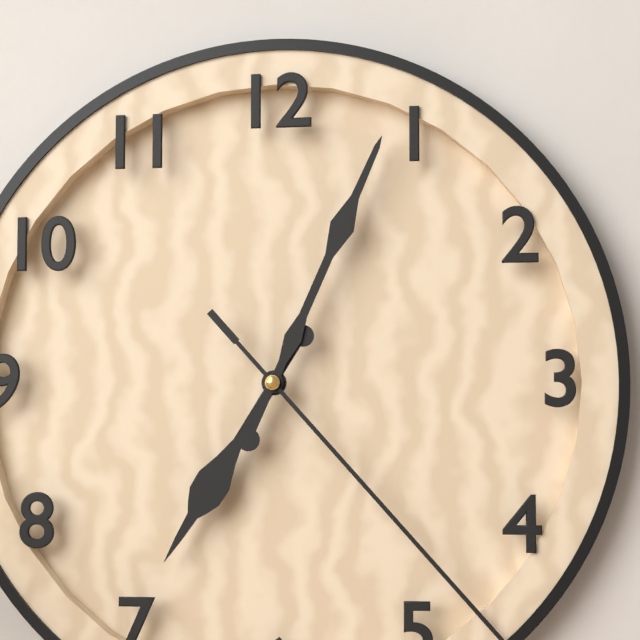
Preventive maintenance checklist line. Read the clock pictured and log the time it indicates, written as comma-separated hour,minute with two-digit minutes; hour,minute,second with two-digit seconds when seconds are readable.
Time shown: 7,04
